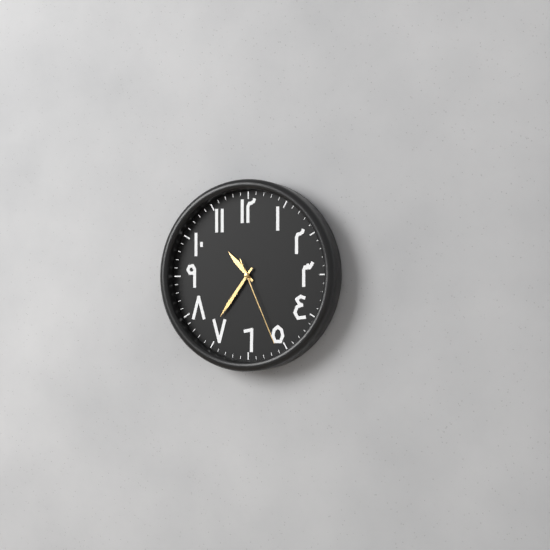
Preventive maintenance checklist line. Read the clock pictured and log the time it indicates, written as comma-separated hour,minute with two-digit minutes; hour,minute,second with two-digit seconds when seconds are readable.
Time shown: 10,36,26
